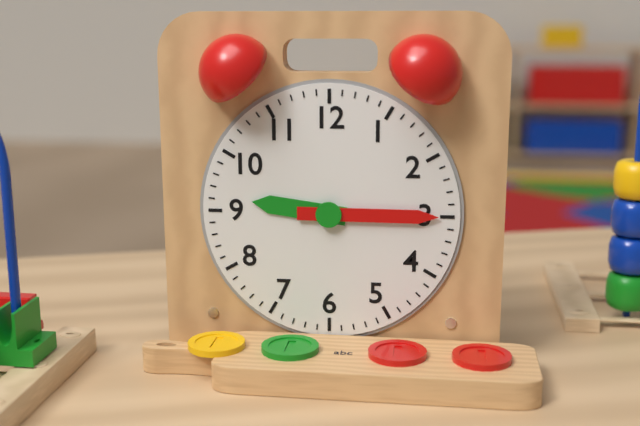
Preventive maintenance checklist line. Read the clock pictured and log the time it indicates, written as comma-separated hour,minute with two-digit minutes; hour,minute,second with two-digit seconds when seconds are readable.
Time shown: 9,15
